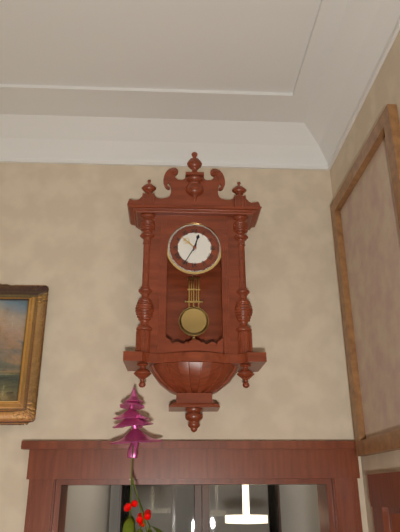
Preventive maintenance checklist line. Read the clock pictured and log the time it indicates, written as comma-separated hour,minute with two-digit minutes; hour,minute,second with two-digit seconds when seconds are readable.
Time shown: 12,35
